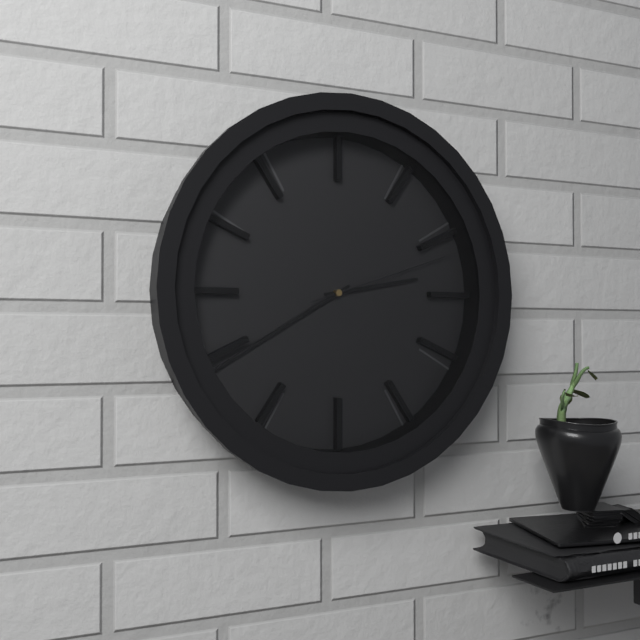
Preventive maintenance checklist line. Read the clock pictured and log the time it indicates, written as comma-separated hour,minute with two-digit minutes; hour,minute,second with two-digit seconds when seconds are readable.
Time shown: 2,40,12
